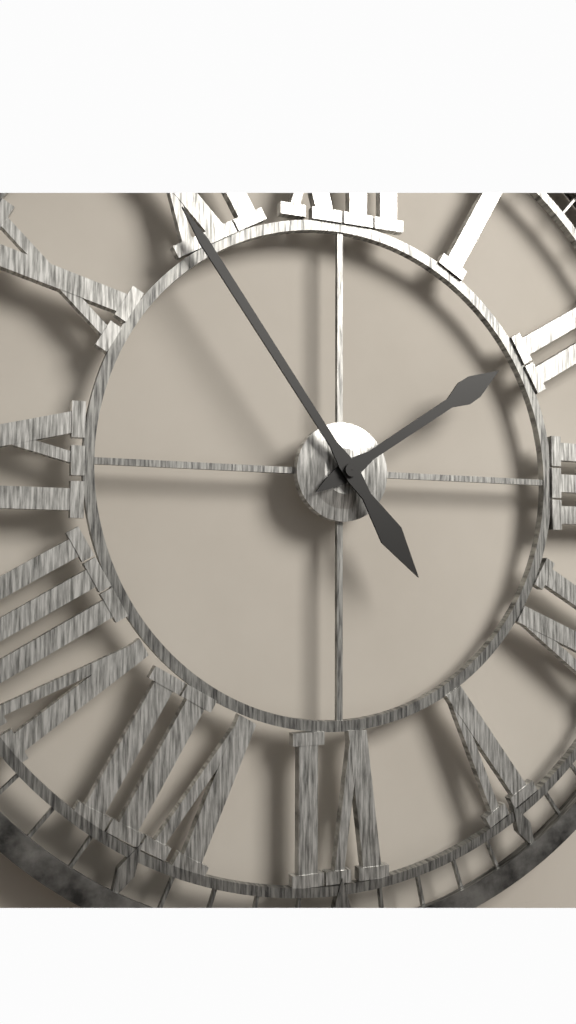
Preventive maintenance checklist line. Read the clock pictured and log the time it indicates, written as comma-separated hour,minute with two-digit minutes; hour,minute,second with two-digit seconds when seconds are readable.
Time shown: 1,54
